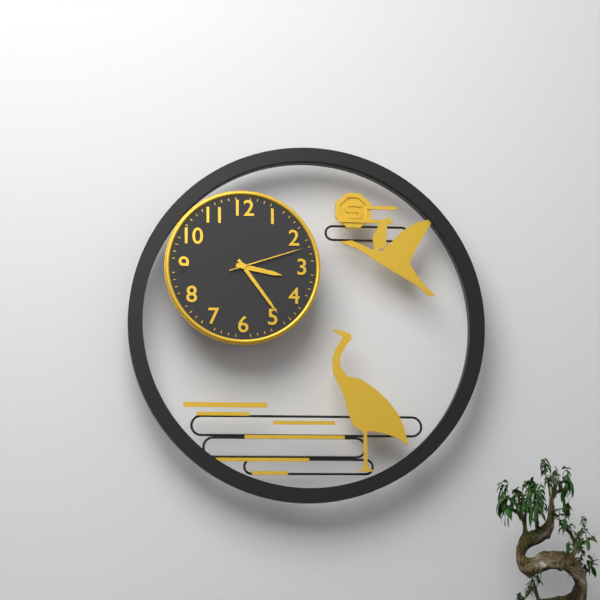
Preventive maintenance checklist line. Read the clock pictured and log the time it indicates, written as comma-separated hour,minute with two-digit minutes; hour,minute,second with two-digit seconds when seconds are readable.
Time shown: 3,24,12
